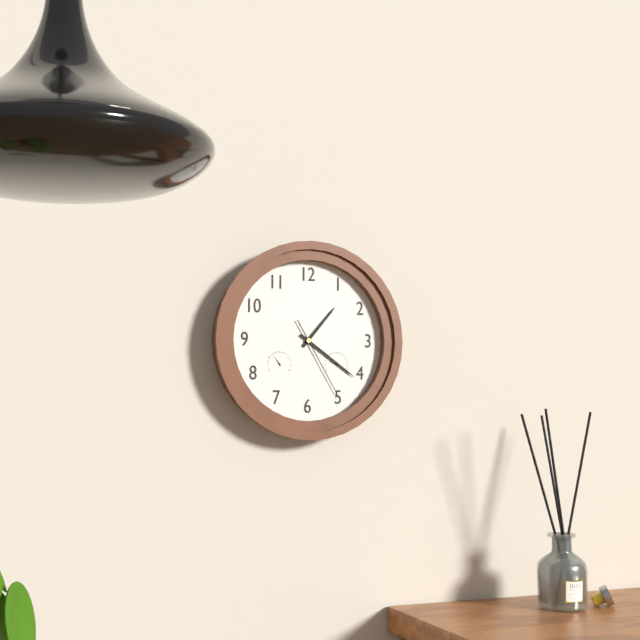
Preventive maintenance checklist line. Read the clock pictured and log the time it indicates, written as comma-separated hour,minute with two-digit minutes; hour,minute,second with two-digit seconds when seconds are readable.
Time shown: 1,21,25
